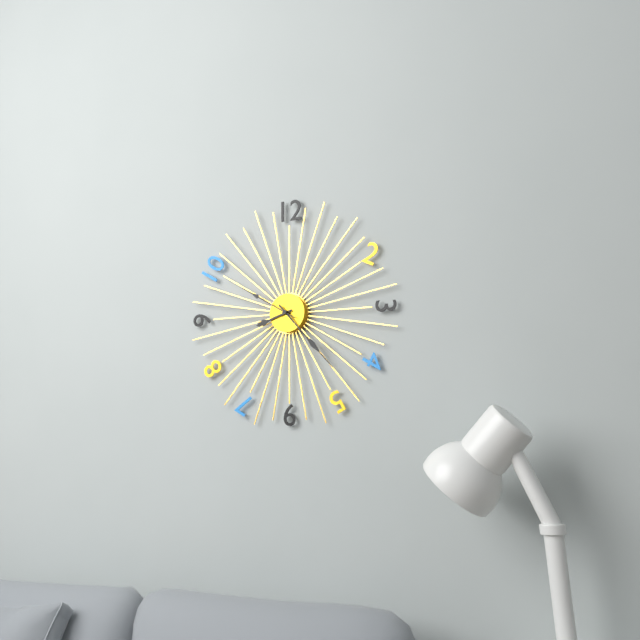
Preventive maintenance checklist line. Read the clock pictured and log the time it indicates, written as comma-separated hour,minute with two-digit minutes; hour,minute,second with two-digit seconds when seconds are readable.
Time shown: 8,23,50
